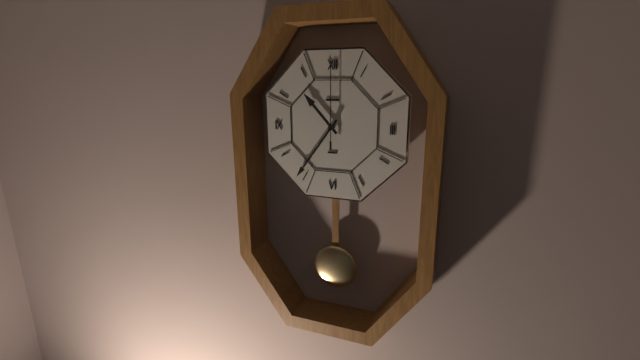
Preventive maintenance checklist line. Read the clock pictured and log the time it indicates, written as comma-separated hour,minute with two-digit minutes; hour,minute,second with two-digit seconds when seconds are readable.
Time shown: 10,36,00
